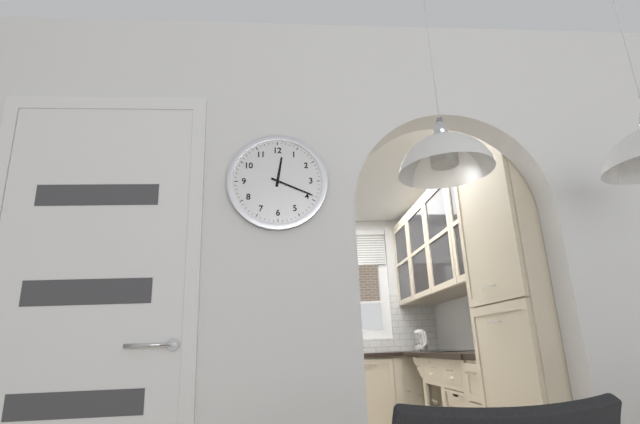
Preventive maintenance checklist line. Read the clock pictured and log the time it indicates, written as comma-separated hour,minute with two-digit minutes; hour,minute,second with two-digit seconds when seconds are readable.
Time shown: 12,19
